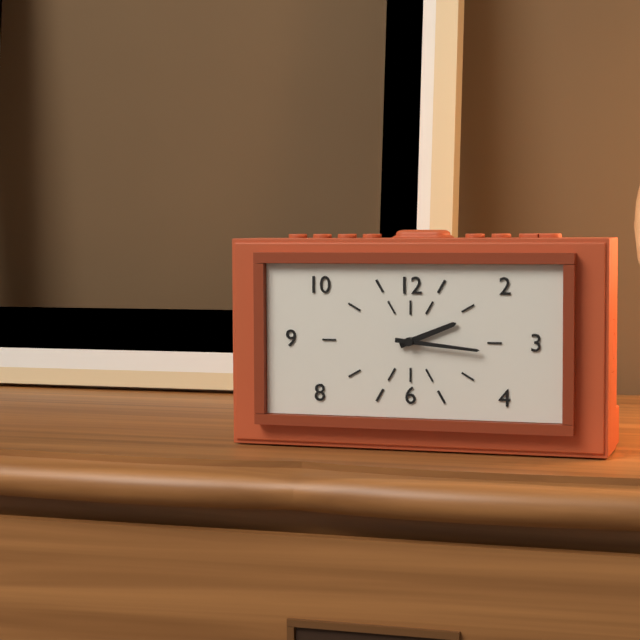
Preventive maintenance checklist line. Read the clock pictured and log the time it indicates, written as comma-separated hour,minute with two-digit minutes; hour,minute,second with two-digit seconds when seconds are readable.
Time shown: 2,16
